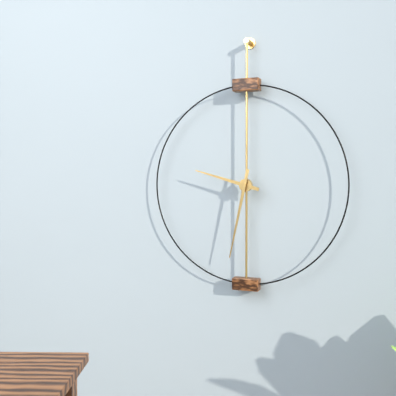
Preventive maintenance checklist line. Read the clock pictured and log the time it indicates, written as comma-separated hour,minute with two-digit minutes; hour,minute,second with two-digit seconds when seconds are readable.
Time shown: 9,32
